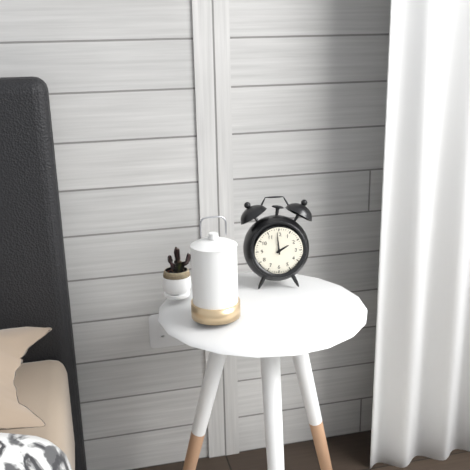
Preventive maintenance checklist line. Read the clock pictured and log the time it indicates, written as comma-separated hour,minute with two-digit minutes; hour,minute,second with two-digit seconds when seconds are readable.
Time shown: 1,59
